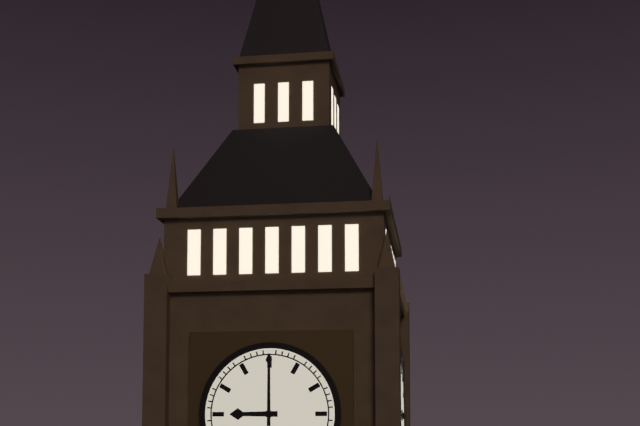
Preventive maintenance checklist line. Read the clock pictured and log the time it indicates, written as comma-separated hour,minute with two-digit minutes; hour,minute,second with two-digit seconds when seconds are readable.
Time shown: 9,00
